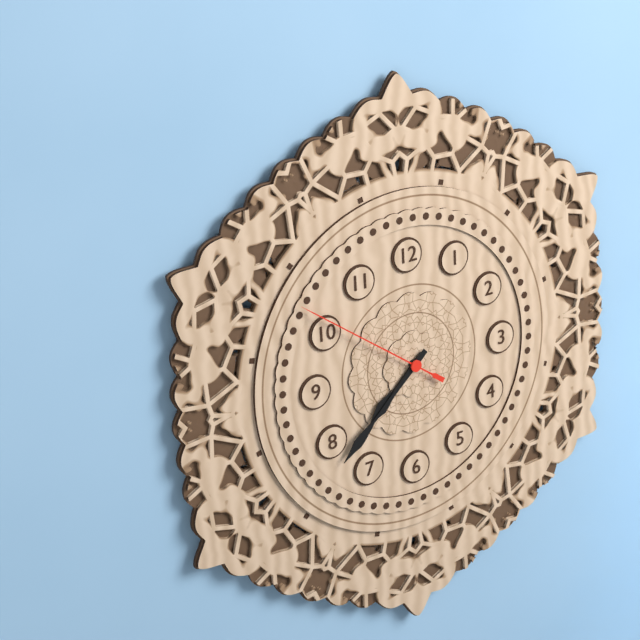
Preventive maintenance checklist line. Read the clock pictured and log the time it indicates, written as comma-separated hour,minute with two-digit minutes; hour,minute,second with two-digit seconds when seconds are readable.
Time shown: 7,38,51
